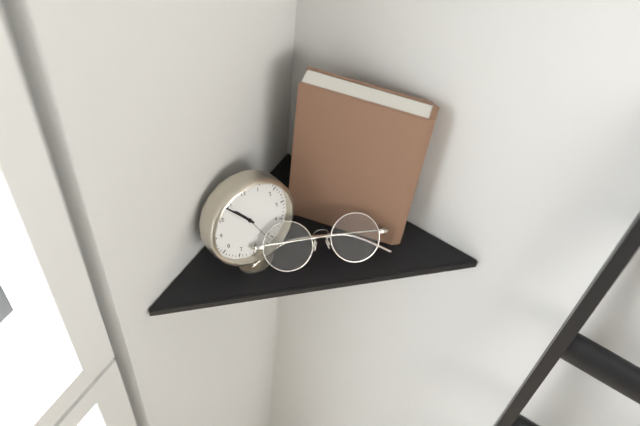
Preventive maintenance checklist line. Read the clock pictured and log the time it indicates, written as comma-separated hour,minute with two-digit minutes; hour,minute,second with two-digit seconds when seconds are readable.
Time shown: 10,54
